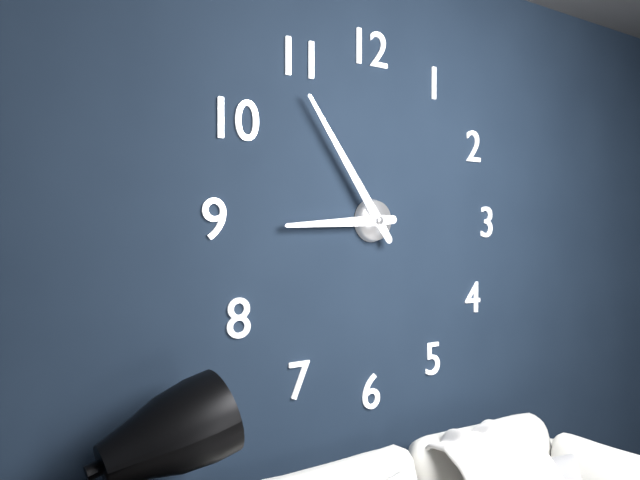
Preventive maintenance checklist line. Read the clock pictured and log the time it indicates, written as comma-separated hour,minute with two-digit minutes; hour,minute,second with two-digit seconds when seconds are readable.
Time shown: 8,54
